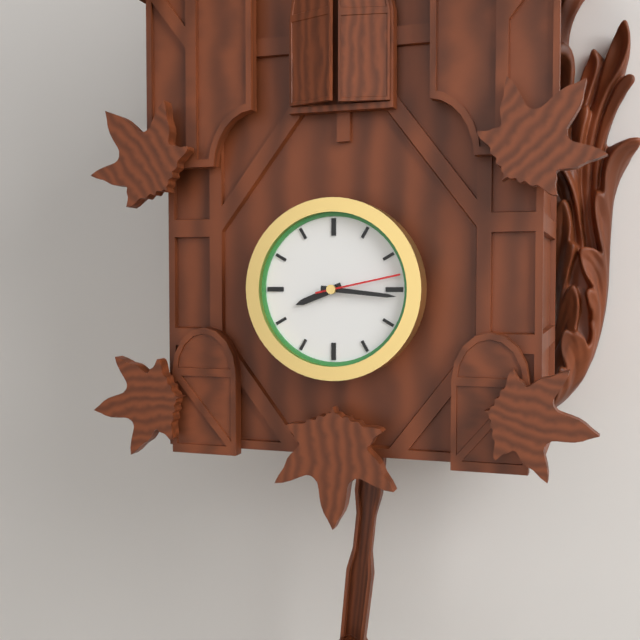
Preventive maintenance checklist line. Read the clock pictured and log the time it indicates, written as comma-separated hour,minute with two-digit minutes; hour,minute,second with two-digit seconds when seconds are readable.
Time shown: 8,16,13
